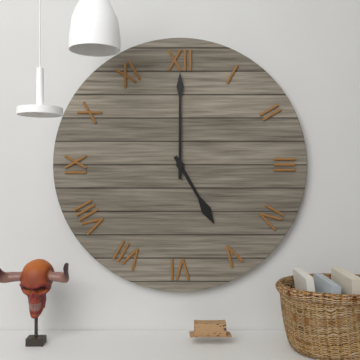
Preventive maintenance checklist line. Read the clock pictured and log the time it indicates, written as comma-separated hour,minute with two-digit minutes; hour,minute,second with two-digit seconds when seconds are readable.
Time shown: 5,00
